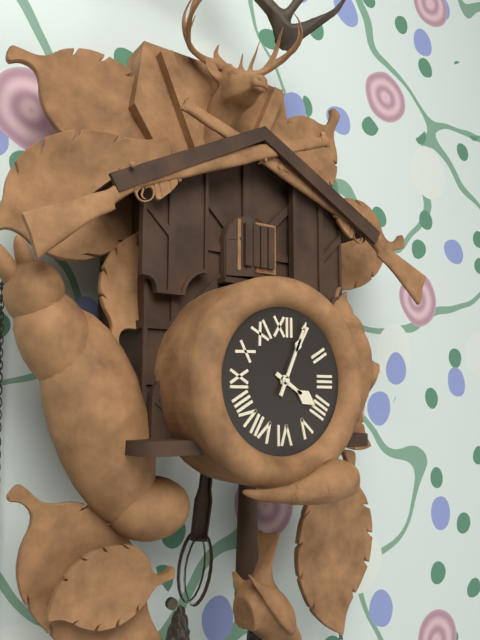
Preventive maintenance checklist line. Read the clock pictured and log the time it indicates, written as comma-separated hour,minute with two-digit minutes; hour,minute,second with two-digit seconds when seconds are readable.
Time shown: 4,04
